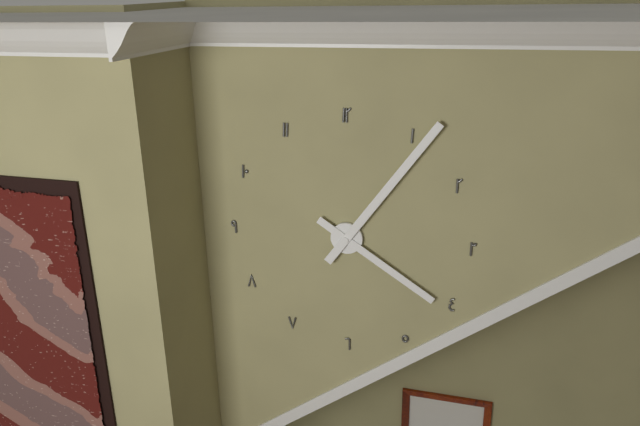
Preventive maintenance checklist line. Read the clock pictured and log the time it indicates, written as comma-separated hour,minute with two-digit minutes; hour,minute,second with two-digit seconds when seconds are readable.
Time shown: 4,06
